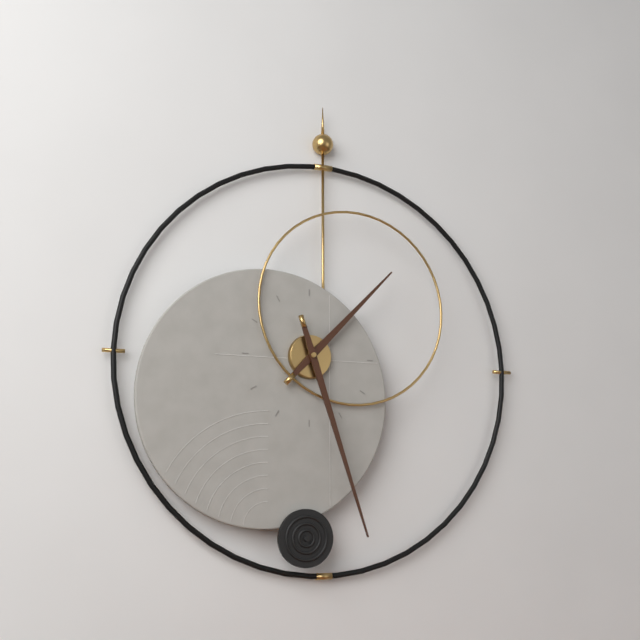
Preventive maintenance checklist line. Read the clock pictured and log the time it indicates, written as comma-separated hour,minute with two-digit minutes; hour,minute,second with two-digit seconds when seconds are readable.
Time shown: 1,27
